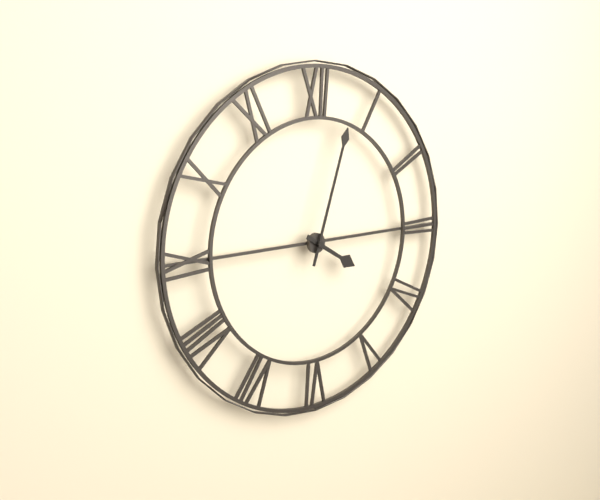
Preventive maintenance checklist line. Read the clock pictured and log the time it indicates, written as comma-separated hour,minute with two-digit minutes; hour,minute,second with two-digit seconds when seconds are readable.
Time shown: 4,03
